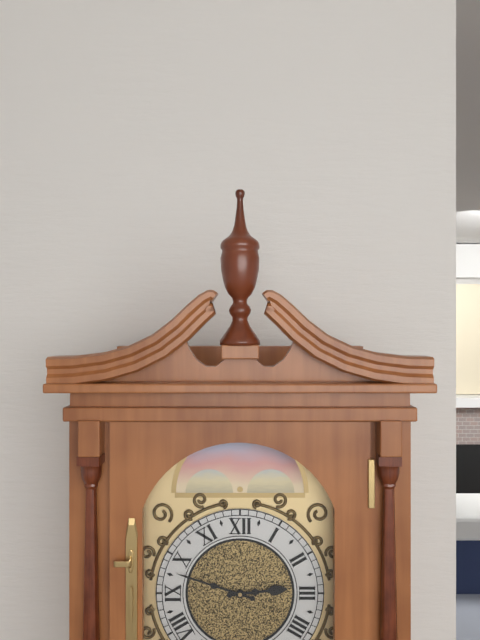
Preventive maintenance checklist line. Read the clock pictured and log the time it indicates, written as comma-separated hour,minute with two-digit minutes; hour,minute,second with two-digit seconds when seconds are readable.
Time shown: 2,48
